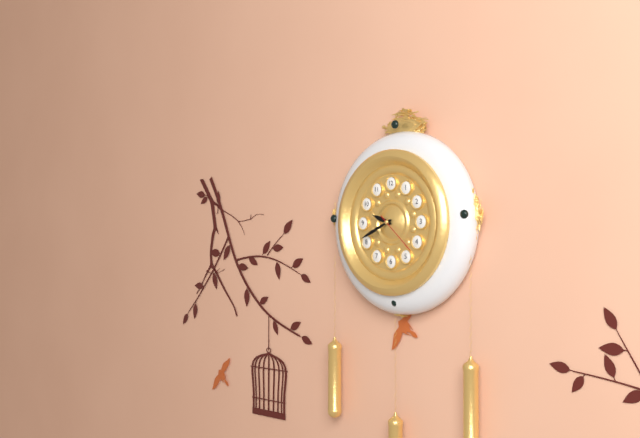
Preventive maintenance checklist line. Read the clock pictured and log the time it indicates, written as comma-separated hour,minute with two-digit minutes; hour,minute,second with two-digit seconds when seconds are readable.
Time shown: 9,41
